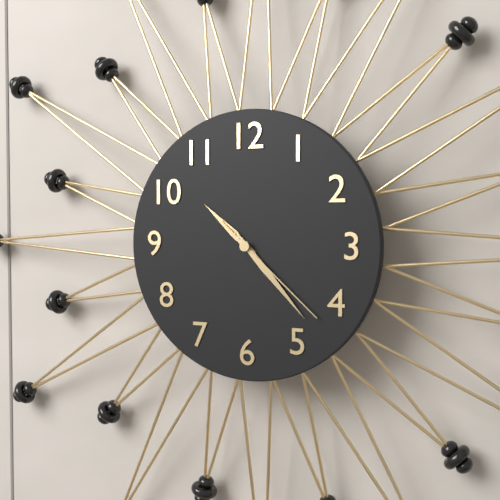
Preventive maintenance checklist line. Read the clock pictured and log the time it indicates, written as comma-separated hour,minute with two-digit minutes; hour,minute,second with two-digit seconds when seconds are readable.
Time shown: 10,23,22
